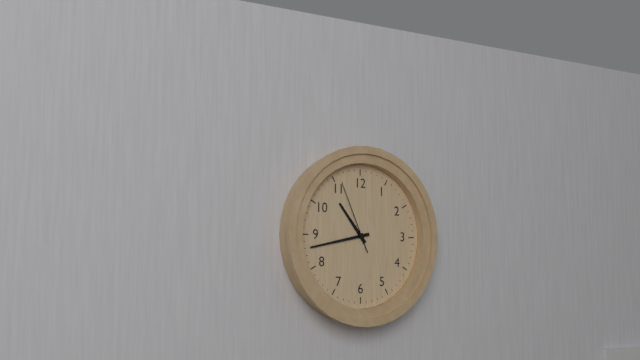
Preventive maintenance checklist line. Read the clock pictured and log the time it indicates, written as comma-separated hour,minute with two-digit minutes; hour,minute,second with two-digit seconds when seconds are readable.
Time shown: 10,43,56
